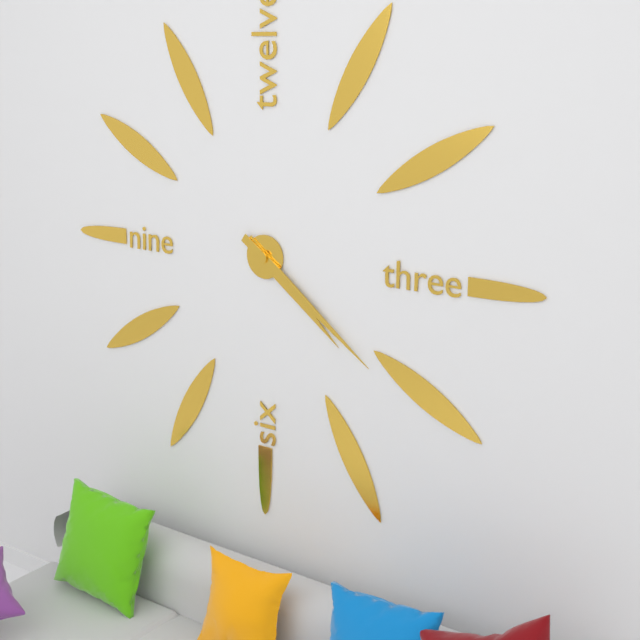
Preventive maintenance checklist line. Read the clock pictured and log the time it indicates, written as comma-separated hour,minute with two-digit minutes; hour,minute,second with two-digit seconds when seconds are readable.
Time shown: 4,21
